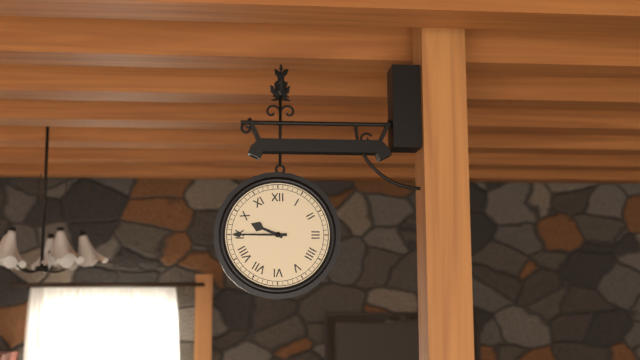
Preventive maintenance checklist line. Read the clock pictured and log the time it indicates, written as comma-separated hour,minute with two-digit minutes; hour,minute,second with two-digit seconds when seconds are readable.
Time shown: 9,45
